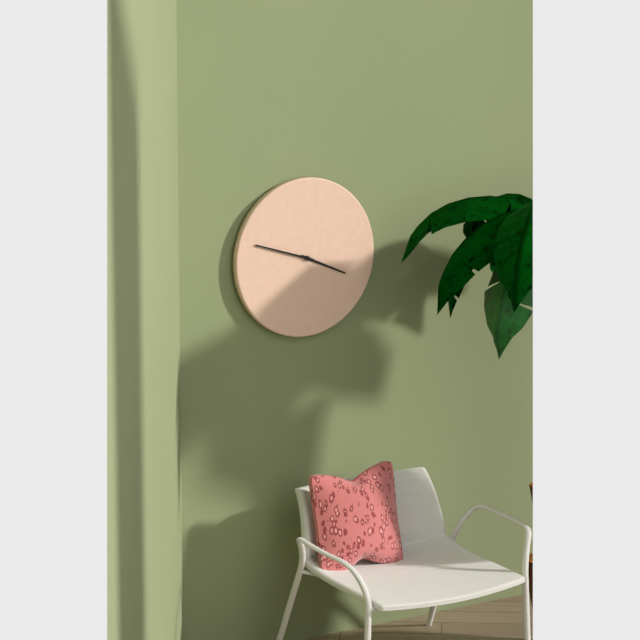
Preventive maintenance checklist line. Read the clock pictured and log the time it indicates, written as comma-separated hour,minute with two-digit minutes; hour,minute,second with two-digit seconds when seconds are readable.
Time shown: 3,48
